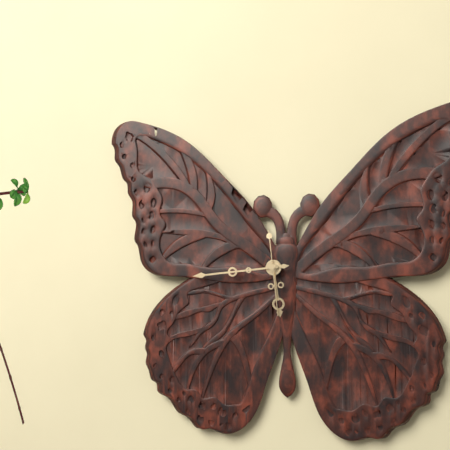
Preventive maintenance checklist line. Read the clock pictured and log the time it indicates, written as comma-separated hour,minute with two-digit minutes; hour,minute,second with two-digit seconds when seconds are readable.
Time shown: 5,44,29
